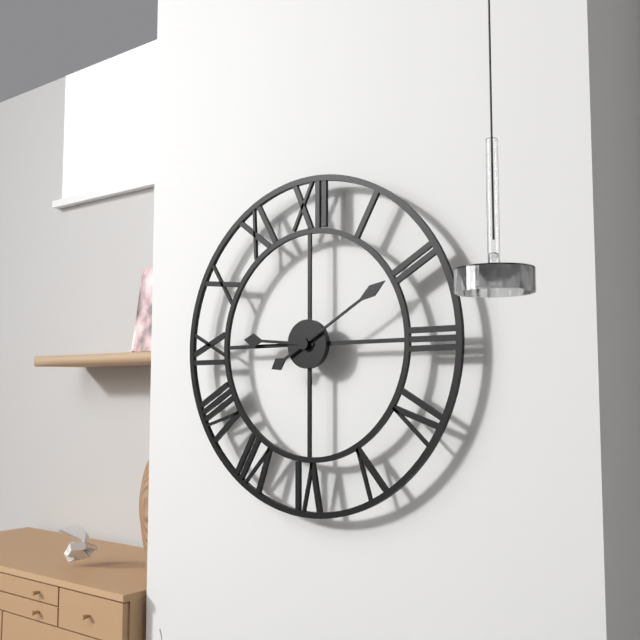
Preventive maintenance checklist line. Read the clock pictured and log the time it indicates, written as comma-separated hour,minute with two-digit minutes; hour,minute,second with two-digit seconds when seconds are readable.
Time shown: 9,10
